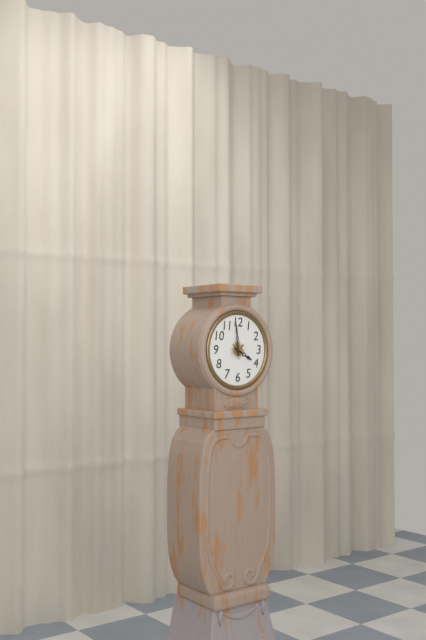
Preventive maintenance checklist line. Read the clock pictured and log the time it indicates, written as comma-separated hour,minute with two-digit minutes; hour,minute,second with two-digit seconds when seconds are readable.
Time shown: 3,59
